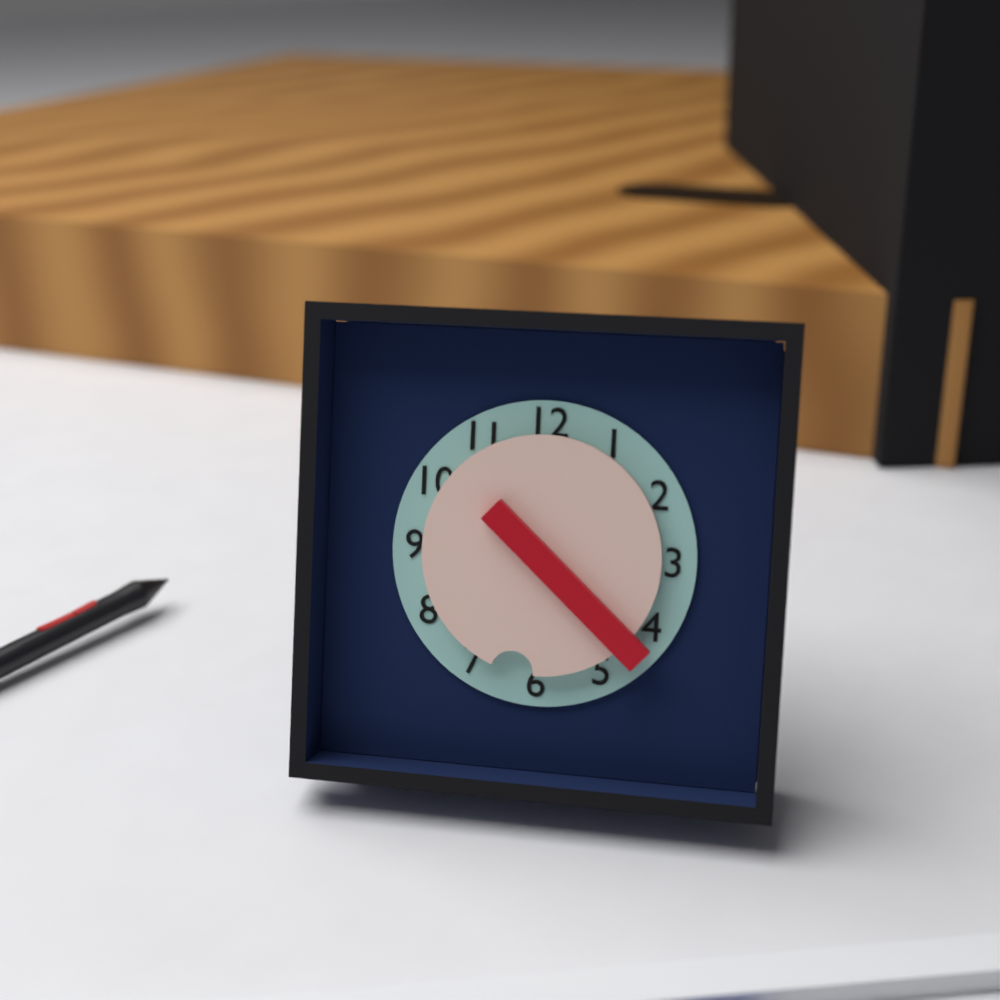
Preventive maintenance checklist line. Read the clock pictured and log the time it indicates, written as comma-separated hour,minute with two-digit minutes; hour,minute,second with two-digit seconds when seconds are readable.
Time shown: 6,22
